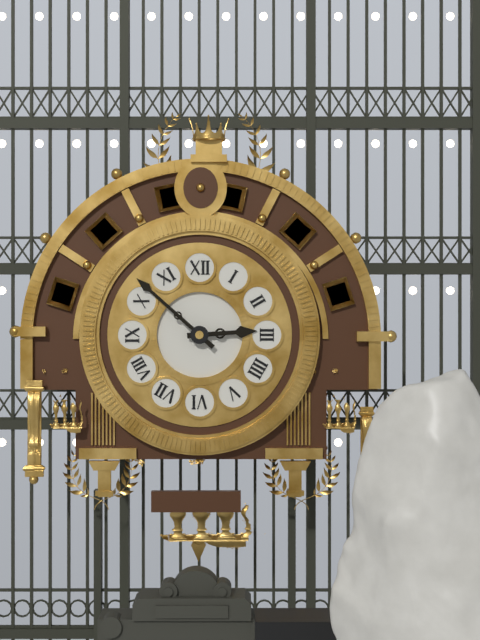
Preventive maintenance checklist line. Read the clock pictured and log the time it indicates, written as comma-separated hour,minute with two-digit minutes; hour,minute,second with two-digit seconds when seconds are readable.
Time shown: 2,52
